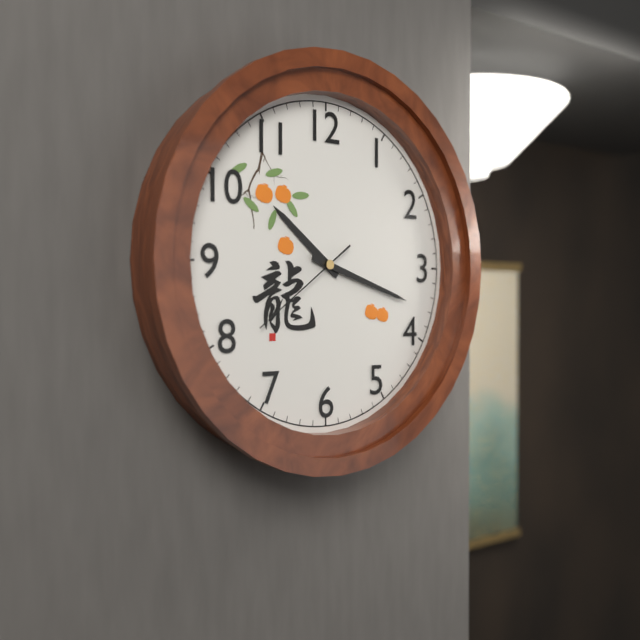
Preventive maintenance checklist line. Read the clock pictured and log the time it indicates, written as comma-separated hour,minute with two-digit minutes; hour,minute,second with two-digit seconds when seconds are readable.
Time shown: 10,18,39
